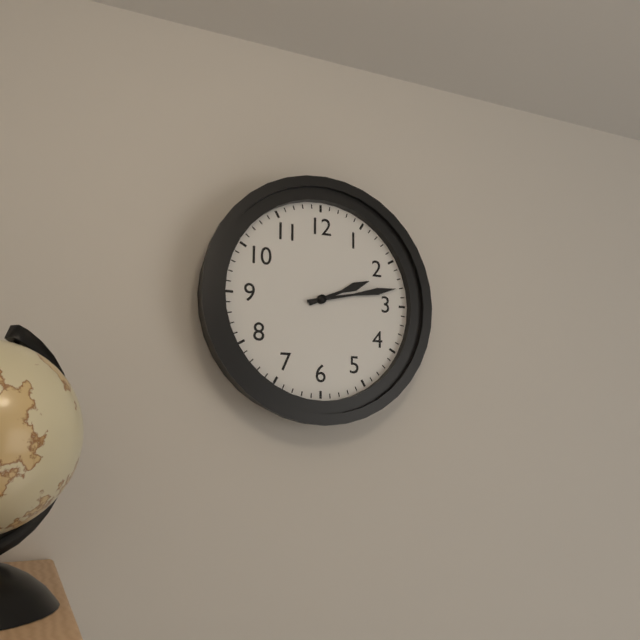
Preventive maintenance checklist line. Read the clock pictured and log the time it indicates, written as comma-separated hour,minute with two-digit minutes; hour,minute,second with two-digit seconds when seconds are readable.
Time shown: 2,13
